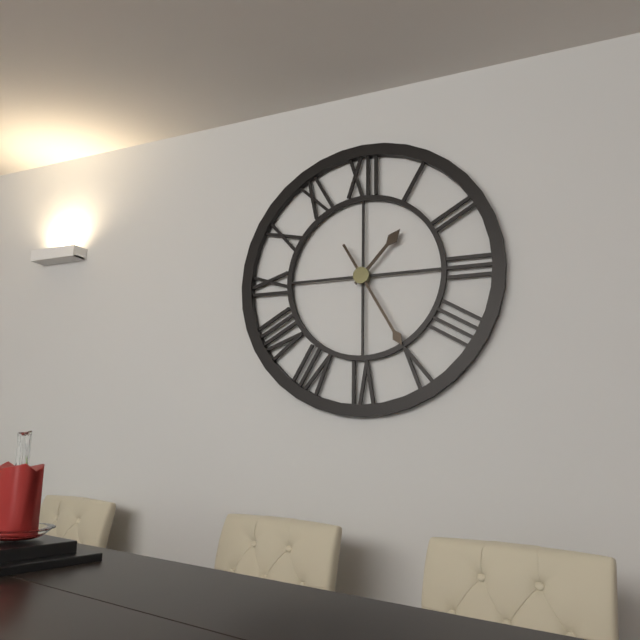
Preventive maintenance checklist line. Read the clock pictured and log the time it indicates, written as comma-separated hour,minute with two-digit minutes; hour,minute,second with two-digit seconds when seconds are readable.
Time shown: 1,25
